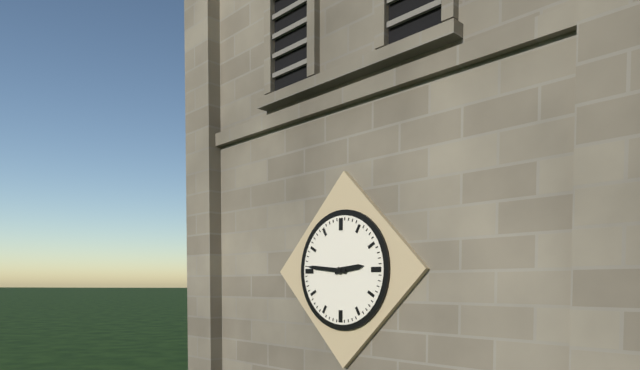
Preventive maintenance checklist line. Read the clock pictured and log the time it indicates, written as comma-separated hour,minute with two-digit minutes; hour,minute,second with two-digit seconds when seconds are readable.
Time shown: 2,46
